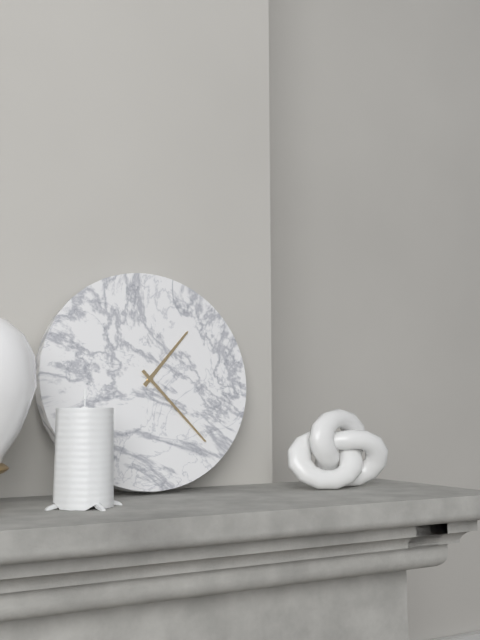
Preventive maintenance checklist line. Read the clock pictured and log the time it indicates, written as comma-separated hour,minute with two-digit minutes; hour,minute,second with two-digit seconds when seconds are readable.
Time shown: 1,23
